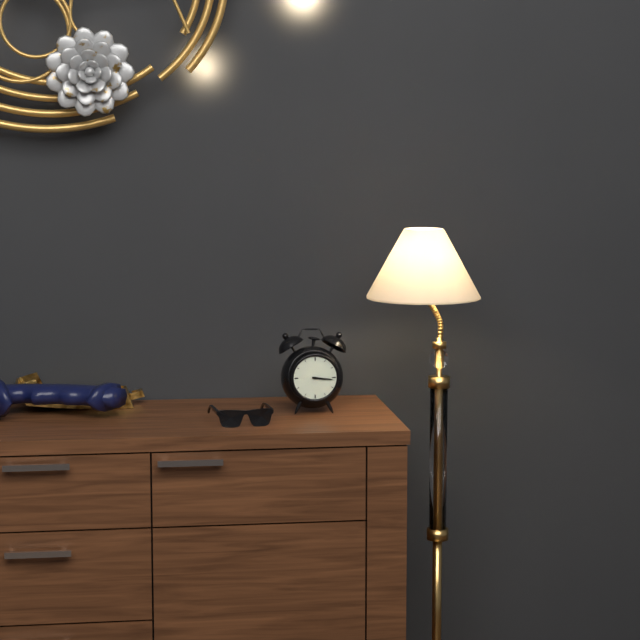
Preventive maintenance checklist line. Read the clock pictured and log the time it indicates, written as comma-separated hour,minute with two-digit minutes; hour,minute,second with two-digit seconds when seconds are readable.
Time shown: 3,16
